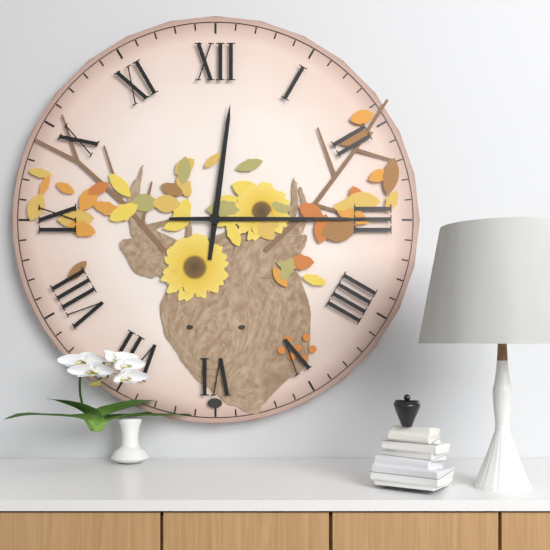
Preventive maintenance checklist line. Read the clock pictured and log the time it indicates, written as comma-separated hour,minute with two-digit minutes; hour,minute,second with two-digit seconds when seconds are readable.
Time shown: 12,15
